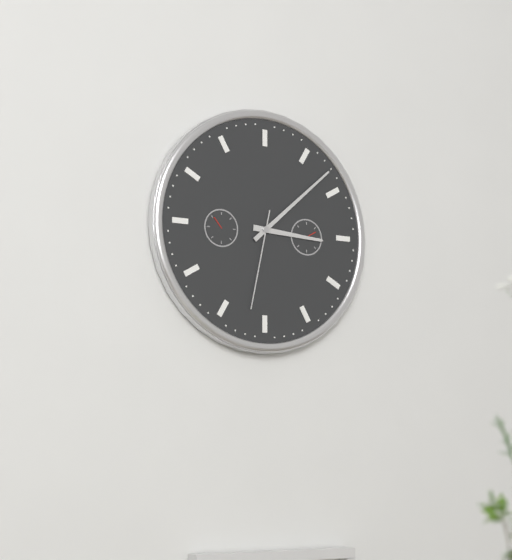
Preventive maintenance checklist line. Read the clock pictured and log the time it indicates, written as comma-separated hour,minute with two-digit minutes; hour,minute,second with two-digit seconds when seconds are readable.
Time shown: 3,08,32
